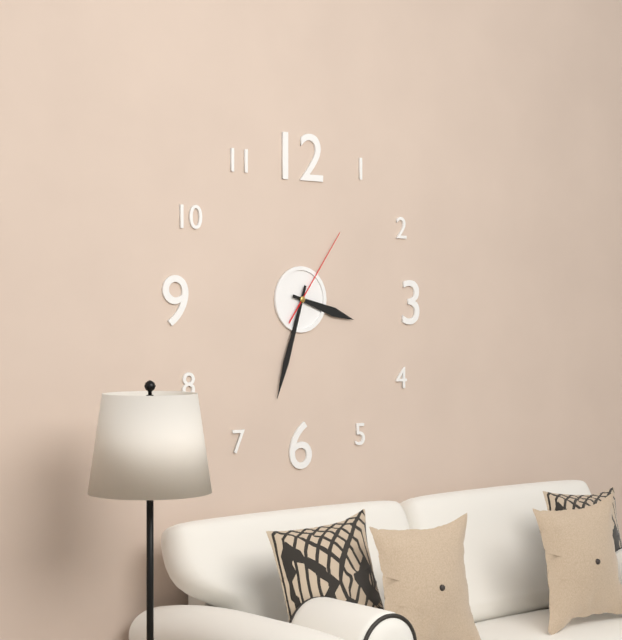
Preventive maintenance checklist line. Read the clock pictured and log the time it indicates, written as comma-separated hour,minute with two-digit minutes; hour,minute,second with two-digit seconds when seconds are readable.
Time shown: 3,33,06
